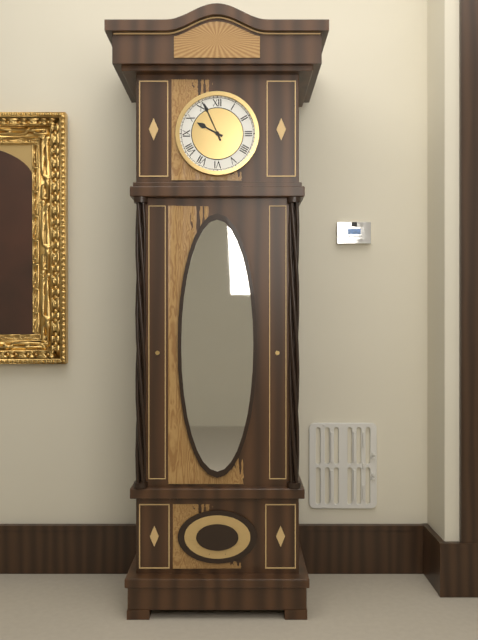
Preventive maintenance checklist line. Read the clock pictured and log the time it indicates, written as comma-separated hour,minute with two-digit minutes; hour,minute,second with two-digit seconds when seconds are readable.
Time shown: 9,56
